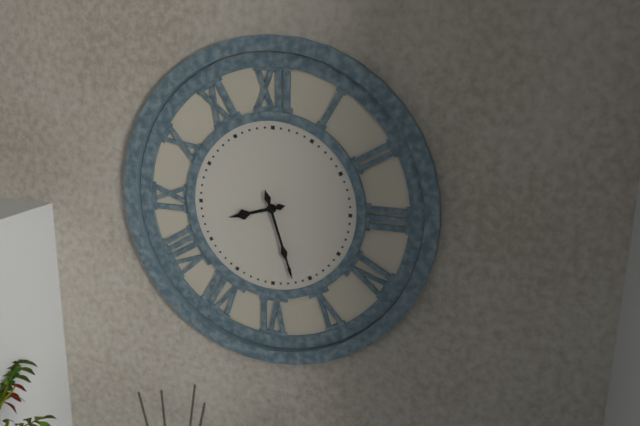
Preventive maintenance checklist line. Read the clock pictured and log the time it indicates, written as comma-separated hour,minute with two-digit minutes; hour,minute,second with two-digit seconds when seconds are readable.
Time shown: 8,27
